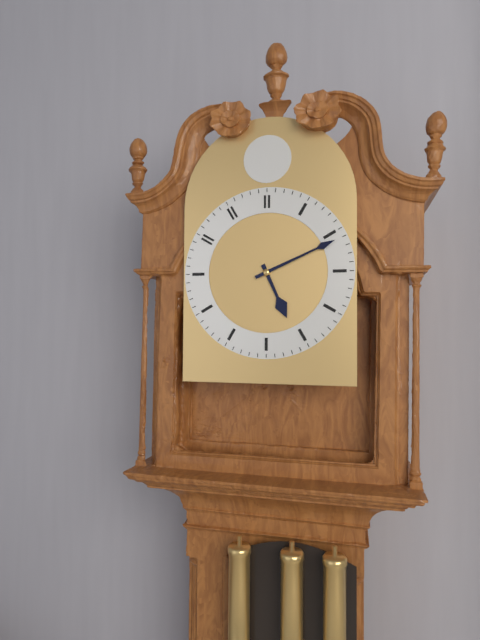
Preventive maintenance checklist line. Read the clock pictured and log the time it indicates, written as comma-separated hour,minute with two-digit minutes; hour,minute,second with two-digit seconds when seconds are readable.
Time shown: 5,11
